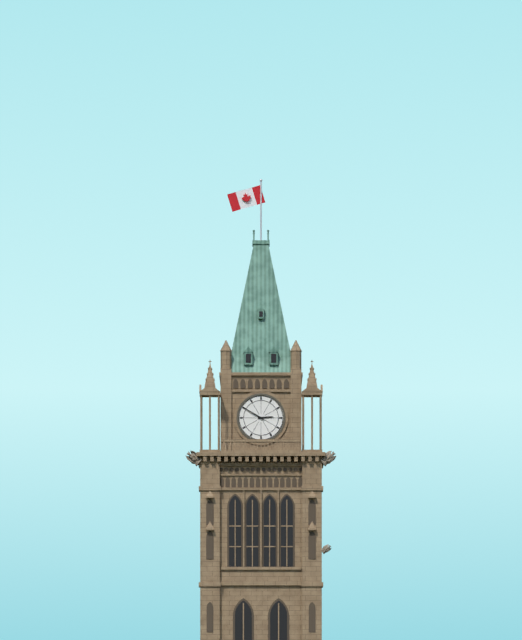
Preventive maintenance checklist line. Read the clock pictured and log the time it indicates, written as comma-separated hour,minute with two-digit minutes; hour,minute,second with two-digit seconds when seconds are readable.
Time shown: 2,50
